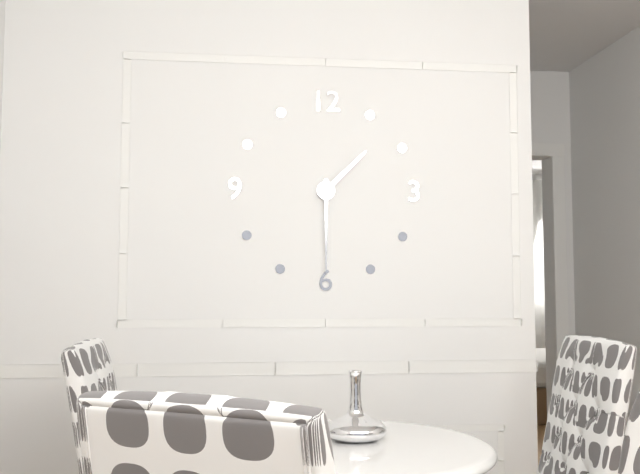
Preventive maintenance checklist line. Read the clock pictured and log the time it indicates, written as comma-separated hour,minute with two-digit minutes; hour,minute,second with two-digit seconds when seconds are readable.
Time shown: 1,30
